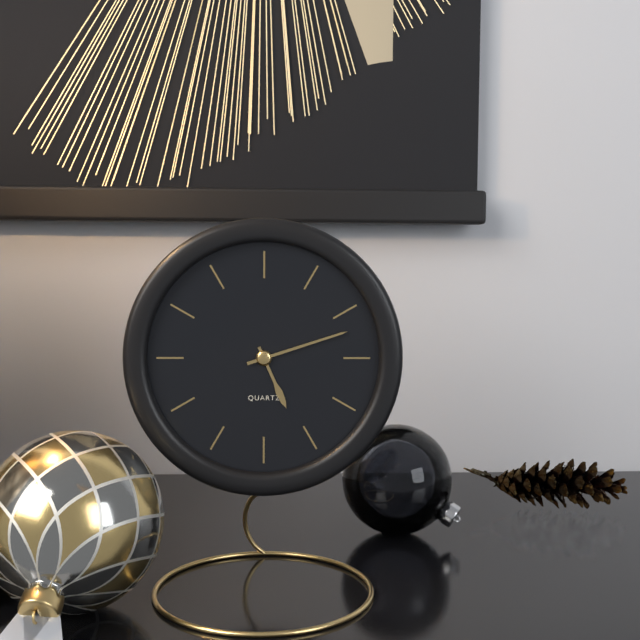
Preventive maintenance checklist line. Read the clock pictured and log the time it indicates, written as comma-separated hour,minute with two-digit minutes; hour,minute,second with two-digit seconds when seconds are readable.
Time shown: 5,12
